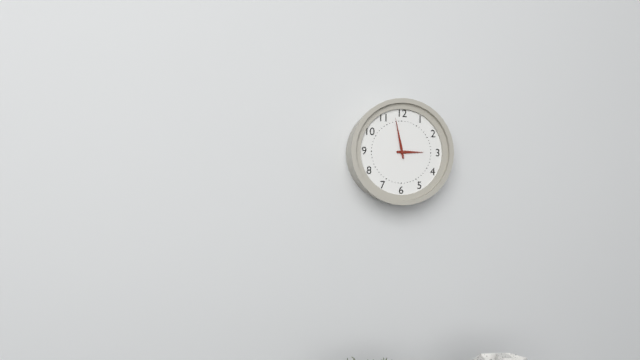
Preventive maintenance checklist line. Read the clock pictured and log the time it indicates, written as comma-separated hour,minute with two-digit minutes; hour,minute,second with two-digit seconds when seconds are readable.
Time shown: 2,58
